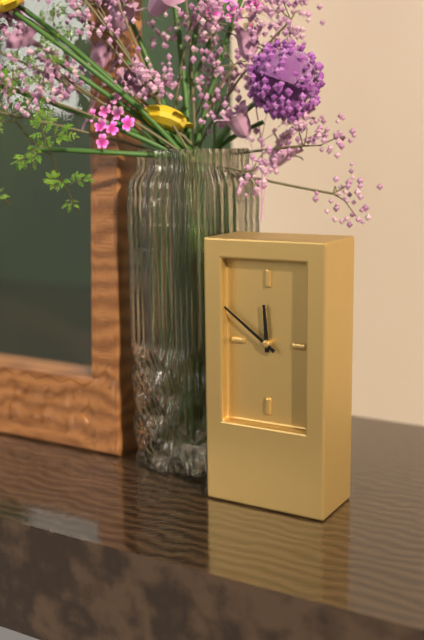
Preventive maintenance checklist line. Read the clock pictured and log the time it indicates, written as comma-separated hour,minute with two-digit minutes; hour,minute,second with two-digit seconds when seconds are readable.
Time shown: 11,51
